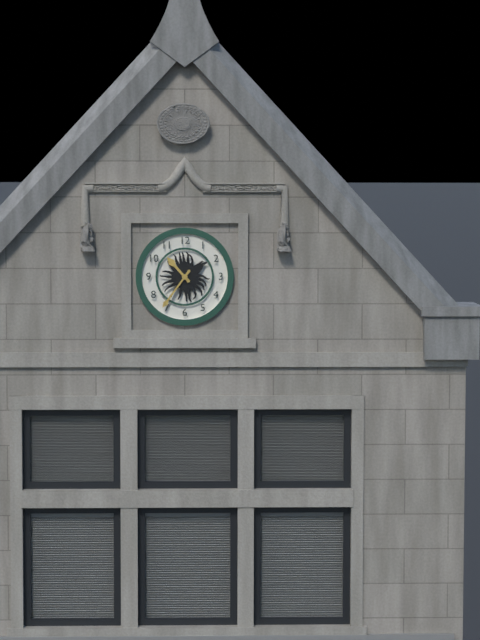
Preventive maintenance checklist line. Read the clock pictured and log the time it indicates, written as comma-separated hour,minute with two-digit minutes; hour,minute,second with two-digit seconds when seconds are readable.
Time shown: 10,36
